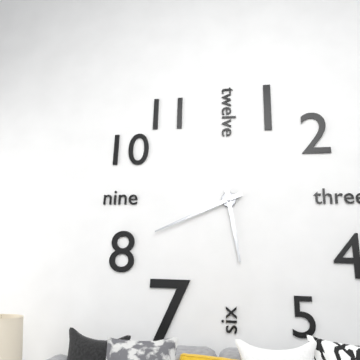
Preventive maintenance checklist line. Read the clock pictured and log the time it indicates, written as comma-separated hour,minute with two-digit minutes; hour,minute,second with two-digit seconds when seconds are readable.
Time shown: 5,41
